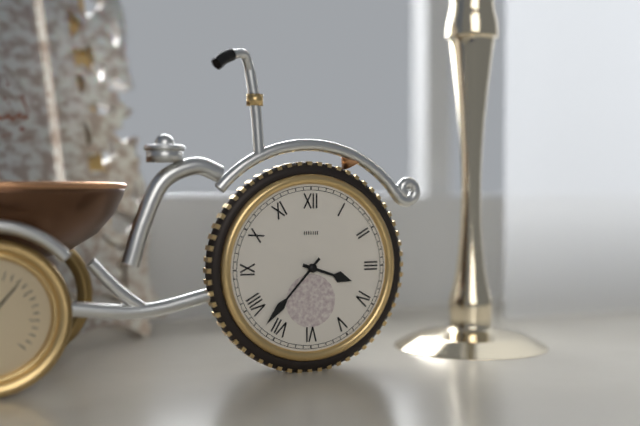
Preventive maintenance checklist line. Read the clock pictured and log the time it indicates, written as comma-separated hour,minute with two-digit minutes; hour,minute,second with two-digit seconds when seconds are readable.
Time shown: 3,37
